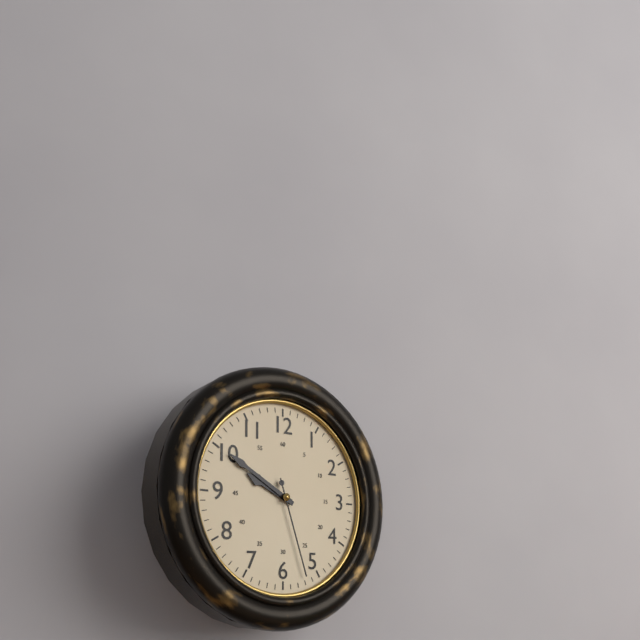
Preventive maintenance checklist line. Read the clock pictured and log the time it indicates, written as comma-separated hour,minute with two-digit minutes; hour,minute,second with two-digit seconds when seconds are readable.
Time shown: 9,50,27
